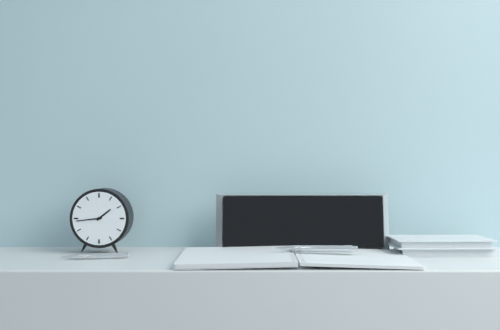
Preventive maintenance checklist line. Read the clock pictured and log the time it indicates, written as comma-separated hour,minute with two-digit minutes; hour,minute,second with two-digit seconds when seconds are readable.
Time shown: 1,44
